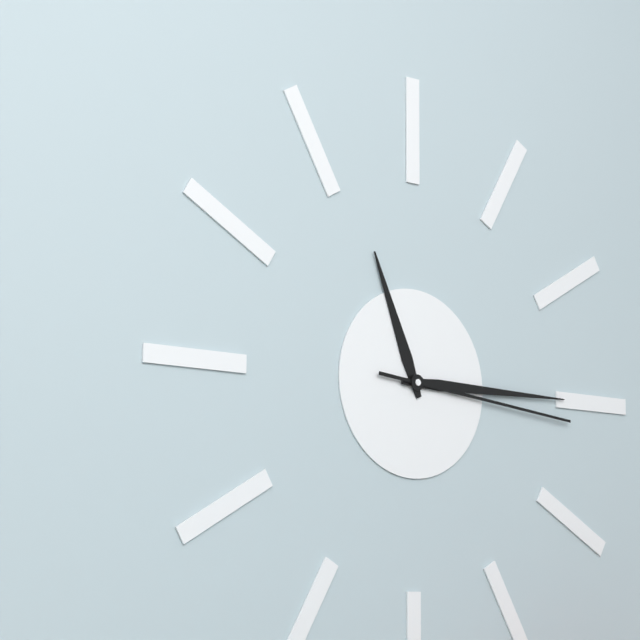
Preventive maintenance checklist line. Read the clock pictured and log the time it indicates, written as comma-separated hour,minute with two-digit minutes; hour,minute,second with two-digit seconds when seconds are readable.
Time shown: 11,15,16
